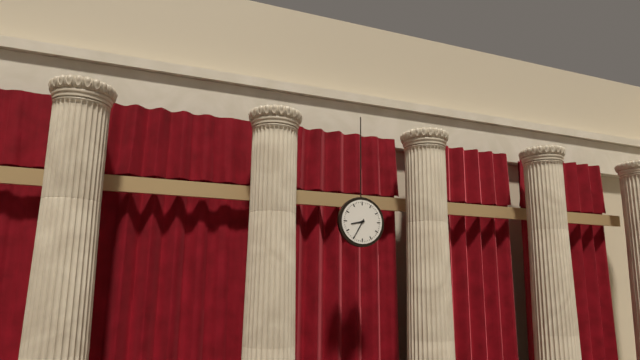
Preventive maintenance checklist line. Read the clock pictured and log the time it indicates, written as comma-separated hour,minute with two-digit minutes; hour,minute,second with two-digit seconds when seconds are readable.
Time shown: 8,35
